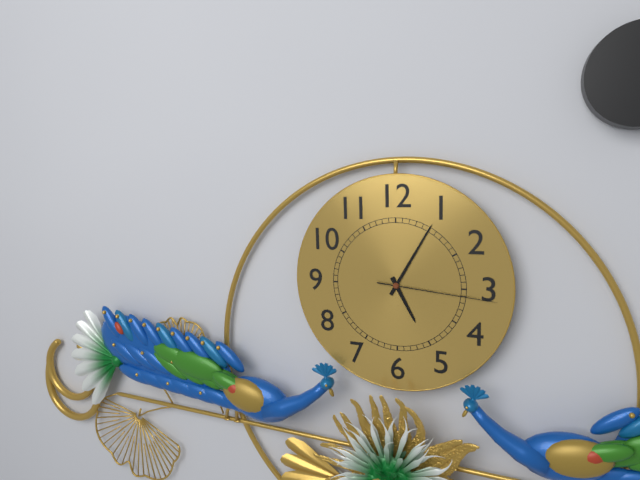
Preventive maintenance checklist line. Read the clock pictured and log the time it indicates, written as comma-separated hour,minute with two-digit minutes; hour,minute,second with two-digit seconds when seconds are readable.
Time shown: 5,05,16
